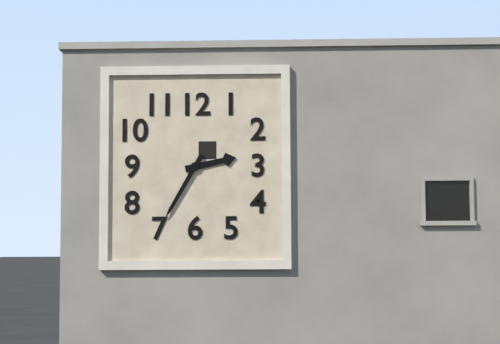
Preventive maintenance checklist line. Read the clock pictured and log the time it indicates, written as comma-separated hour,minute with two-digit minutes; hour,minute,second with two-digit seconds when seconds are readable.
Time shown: 2,35
